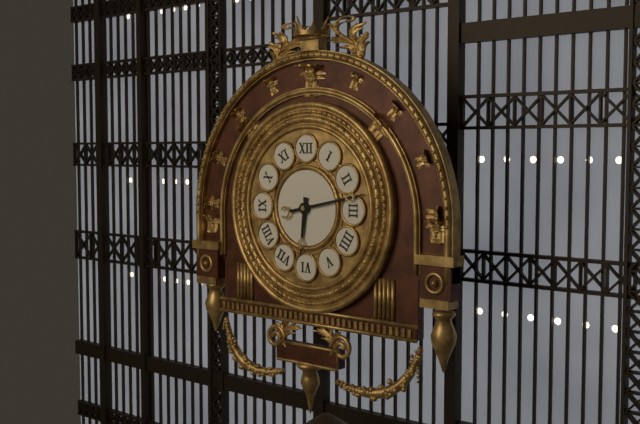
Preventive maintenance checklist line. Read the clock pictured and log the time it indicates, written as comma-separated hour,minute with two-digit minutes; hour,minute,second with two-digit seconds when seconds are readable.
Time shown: 6,13
